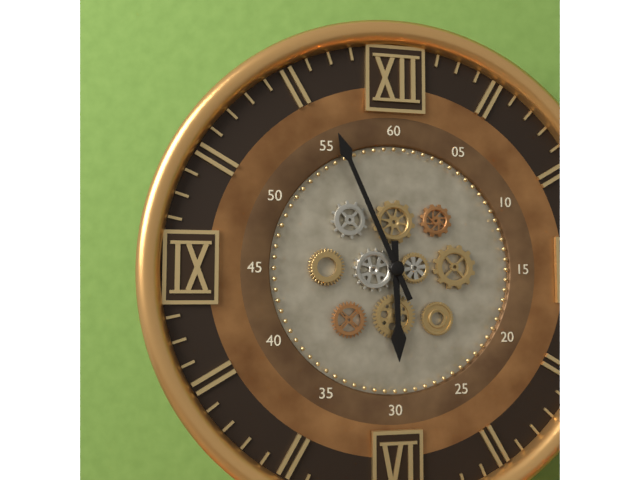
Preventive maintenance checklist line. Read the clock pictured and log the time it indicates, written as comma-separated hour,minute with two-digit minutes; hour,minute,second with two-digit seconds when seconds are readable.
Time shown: 5,56
